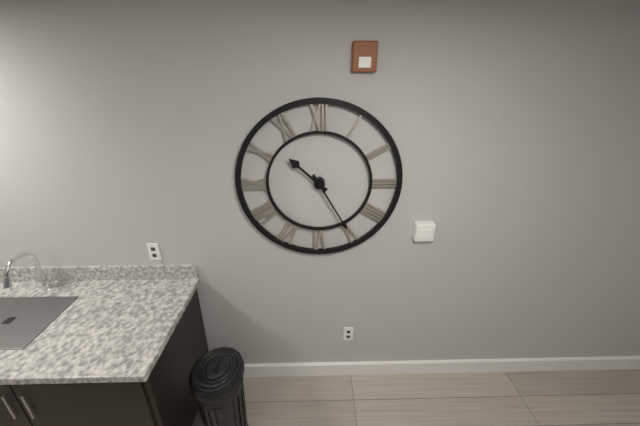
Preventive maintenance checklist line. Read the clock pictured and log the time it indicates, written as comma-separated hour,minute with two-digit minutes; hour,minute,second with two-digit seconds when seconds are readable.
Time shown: 10,25
